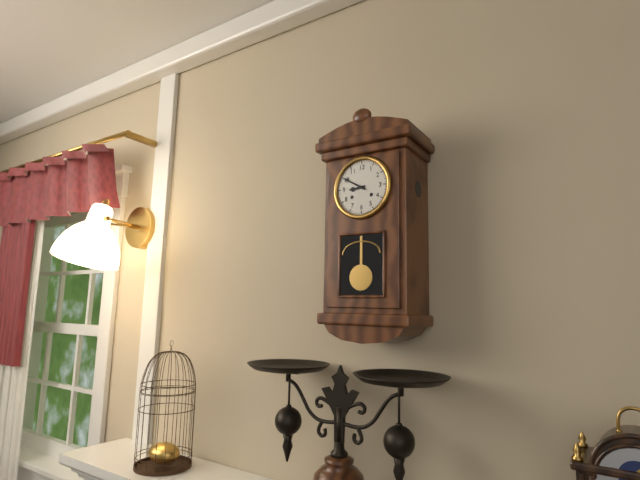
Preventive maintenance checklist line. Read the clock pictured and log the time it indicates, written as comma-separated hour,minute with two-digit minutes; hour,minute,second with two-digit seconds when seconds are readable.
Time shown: 8,50
